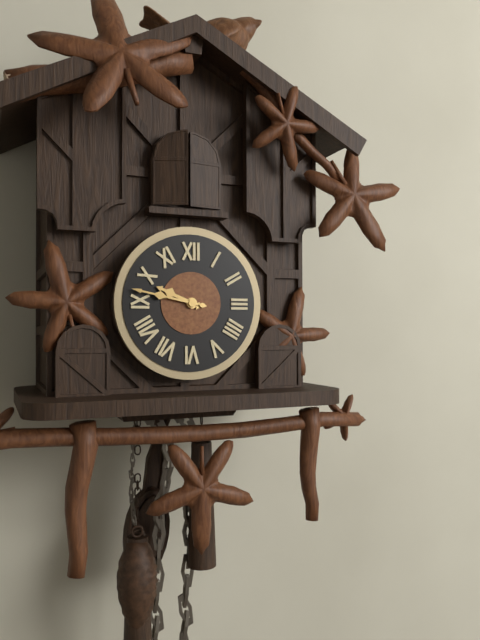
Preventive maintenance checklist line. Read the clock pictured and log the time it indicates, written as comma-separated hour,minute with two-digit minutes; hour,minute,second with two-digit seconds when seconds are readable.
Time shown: 9,47
